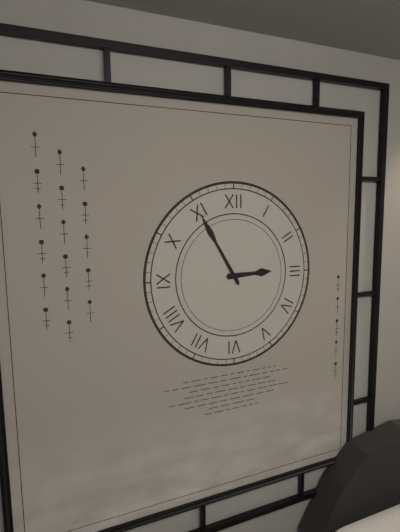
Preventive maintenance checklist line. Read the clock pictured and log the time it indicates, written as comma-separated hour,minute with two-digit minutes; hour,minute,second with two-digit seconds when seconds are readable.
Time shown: 2,55
